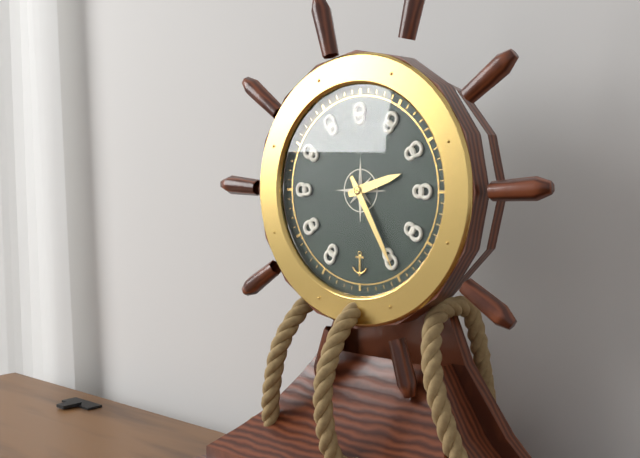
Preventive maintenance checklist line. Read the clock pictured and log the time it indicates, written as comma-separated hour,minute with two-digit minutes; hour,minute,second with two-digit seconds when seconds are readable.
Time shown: 2,25
